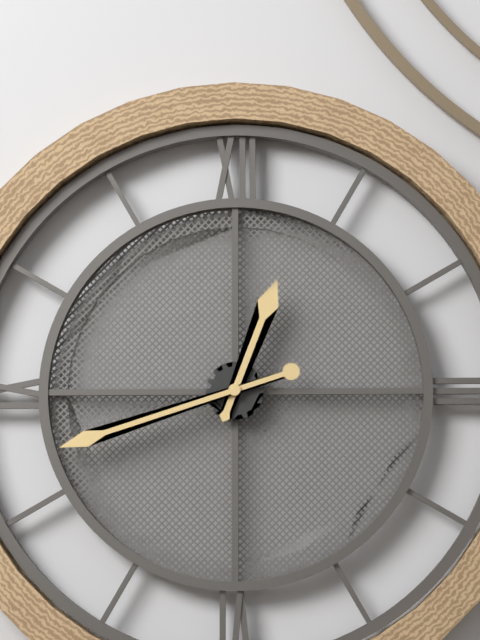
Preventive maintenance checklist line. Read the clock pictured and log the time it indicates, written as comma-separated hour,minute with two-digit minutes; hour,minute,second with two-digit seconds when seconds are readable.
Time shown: 12,42
